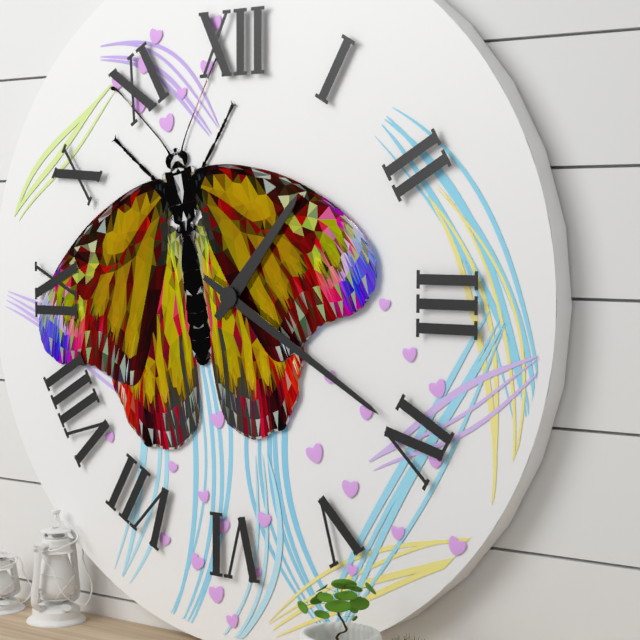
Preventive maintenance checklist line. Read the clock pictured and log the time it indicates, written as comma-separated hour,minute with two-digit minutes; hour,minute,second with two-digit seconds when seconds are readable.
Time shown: 1,20
